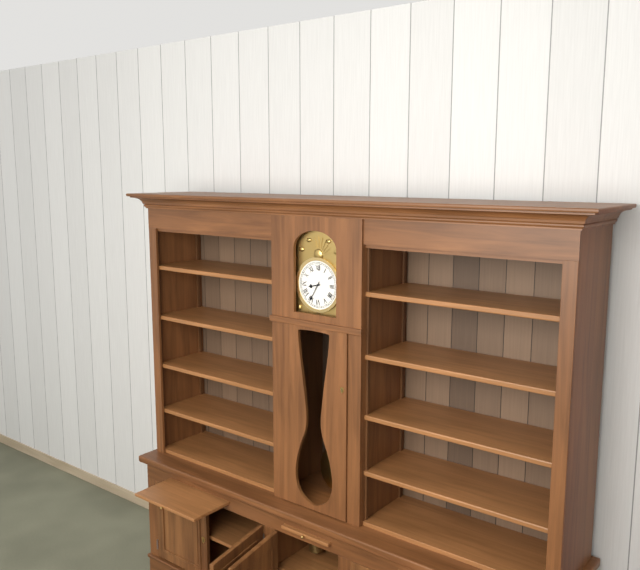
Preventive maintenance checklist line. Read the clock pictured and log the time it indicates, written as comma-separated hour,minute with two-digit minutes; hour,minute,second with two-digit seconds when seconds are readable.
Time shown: 8,35
